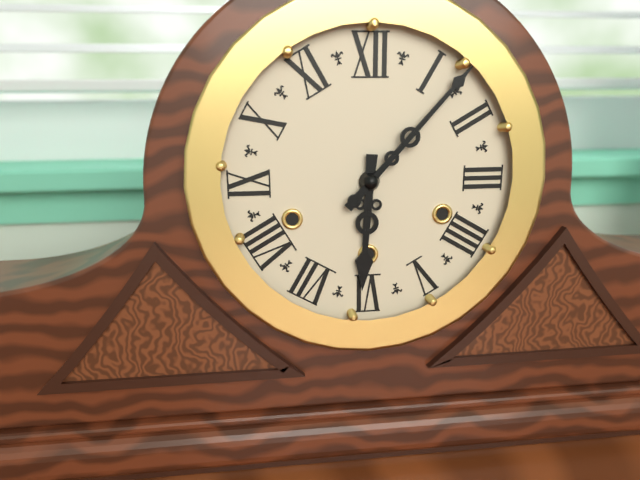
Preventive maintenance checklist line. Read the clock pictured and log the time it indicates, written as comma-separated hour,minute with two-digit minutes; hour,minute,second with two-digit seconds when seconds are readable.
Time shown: 6,07
